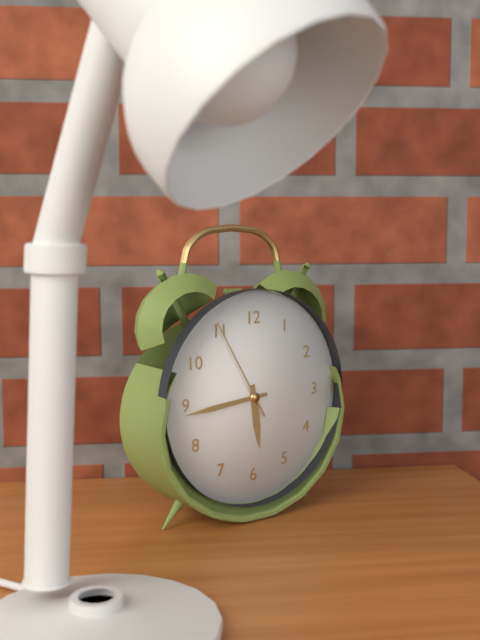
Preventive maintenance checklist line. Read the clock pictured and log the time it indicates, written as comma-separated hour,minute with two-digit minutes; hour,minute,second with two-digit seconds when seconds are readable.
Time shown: 5,44,55
